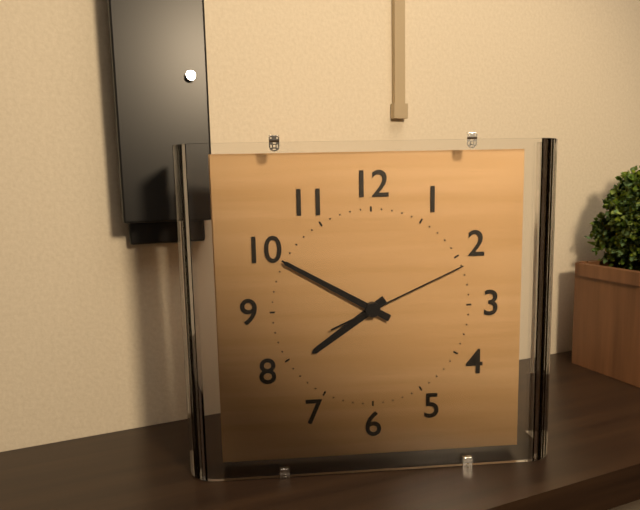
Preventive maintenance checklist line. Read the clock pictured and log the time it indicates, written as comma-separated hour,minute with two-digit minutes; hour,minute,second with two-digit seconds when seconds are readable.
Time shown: 7,50,11
